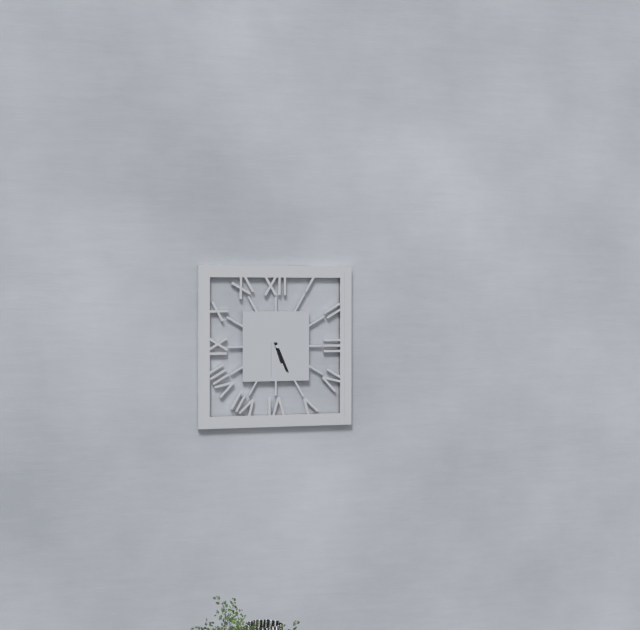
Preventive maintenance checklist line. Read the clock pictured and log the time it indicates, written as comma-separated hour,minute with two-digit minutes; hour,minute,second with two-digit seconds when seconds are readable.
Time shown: 5,26
